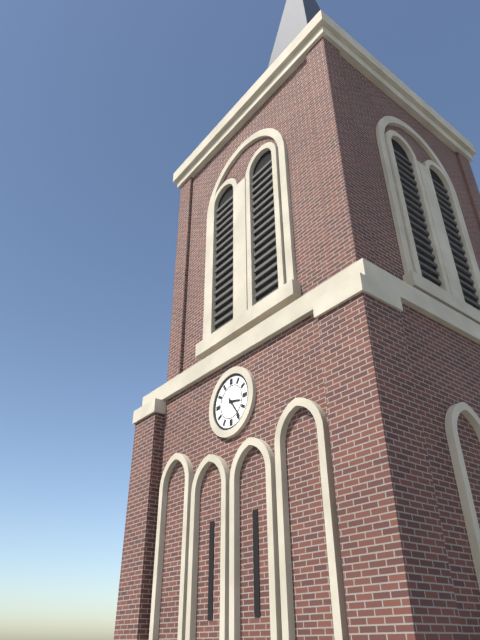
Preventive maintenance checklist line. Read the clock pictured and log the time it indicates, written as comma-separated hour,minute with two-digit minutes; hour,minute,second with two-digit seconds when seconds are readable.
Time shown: 3,24
